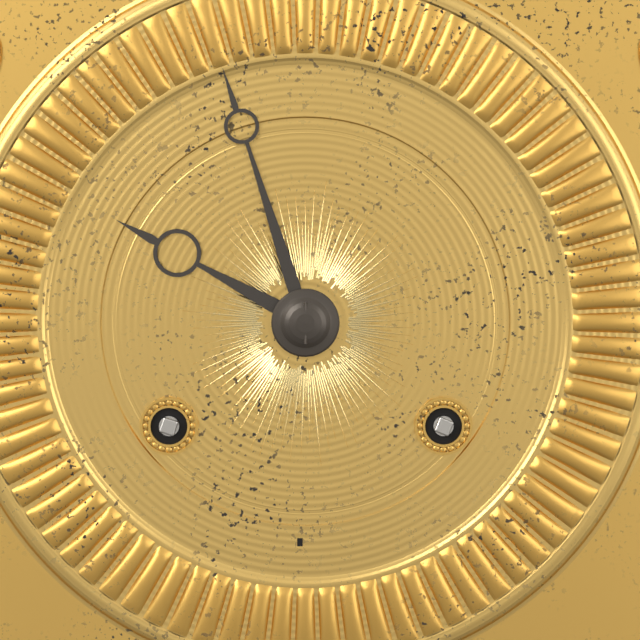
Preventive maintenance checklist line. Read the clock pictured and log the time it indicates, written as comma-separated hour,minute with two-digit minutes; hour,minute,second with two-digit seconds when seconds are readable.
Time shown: 9,57
